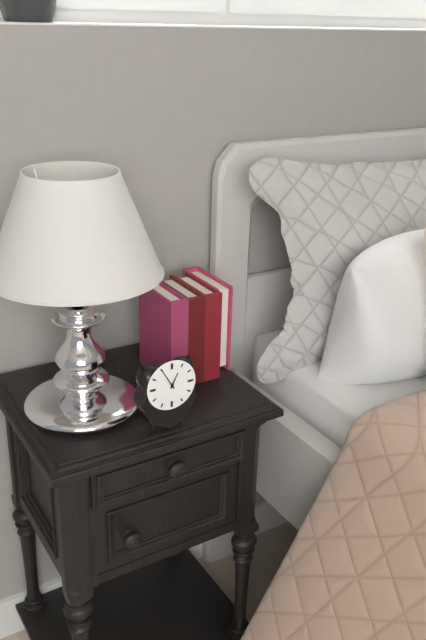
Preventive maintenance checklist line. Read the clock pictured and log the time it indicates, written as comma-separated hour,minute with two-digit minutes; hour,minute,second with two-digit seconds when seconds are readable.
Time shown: 12,55
